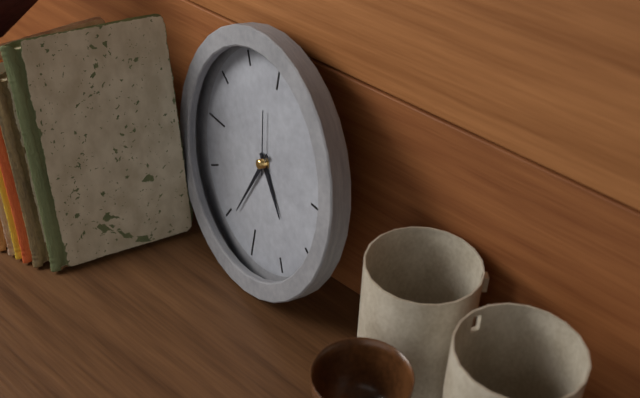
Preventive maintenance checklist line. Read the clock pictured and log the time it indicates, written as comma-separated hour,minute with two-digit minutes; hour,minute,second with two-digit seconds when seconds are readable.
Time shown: 4,34,58
